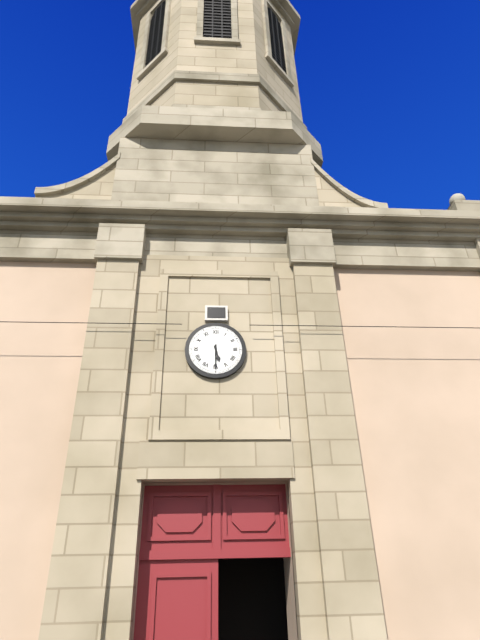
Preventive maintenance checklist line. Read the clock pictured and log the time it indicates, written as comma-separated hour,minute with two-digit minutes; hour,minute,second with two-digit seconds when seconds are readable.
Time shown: 5,30
